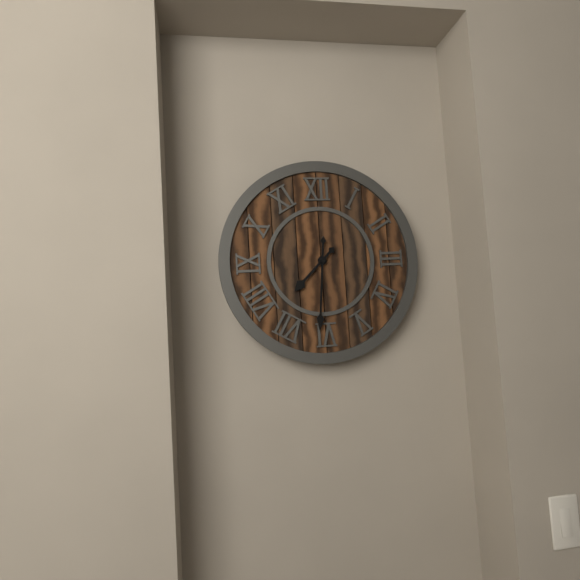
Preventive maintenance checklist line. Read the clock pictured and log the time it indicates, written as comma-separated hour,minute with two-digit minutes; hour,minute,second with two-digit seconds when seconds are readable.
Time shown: 7,31
